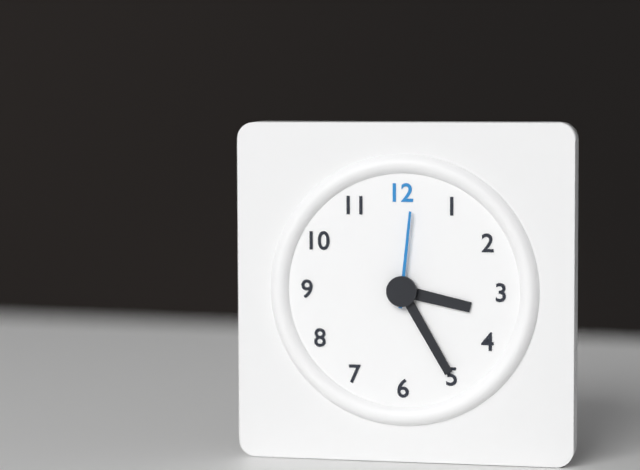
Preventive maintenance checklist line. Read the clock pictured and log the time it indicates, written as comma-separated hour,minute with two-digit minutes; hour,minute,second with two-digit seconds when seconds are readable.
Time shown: 3,25,01
